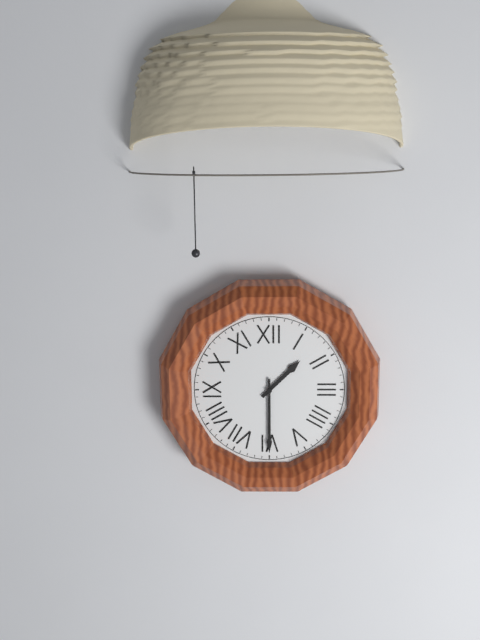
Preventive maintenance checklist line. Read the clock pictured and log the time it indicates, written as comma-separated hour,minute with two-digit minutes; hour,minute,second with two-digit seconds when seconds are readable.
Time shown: 1,30
